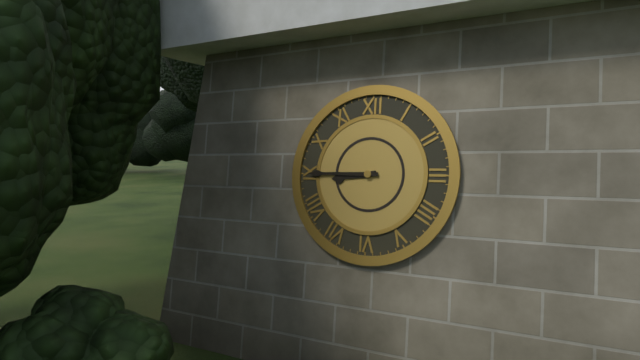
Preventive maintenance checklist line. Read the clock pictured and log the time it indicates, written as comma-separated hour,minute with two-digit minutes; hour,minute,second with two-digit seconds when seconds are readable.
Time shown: 8,45
